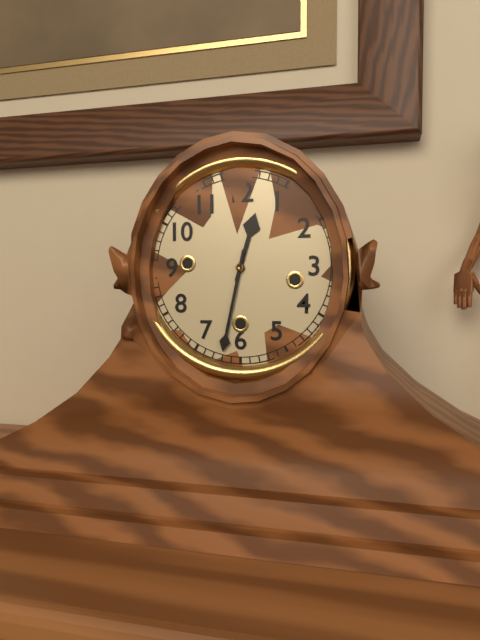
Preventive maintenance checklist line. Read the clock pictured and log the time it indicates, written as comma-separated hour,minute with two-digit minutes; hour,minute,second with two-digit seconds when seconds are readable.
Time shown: 12,32
